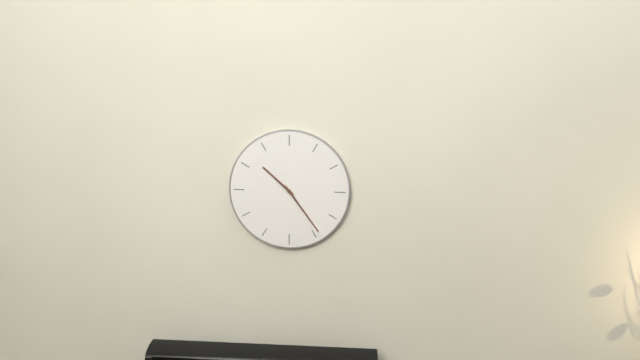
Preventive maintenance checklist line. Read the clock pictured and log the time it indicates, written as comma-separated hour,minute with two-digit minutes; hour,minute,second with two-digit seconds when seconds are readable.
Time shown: 10,24
